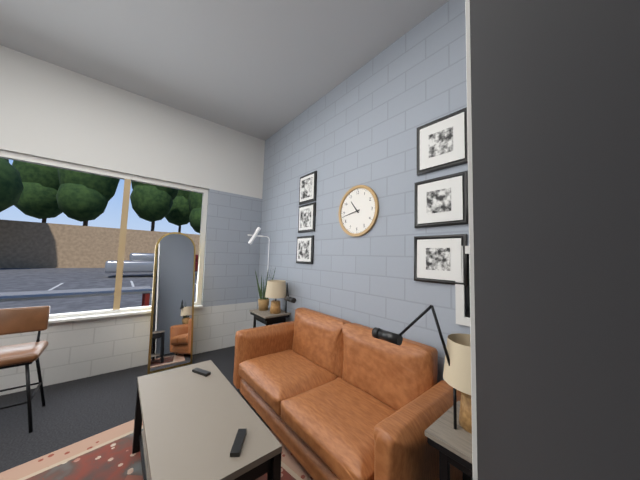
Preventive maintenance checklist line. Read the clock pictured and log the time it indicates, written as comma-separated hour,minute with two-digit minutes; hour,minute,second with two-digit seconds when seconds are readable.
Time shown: 10,43
